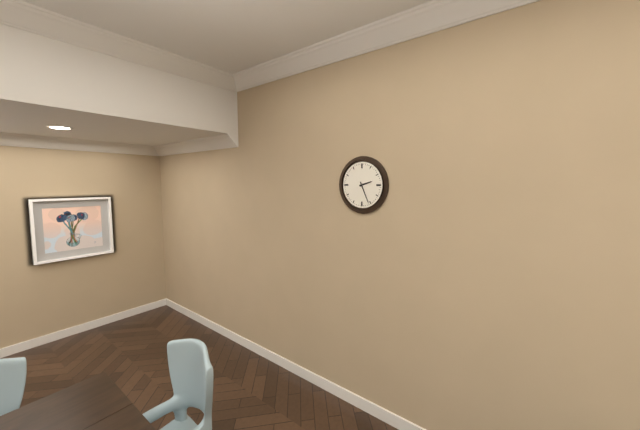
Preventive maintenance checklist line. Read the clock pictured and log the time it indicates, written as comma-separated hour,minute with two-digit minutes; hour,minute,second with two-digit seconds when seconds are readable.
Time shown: 2,26
